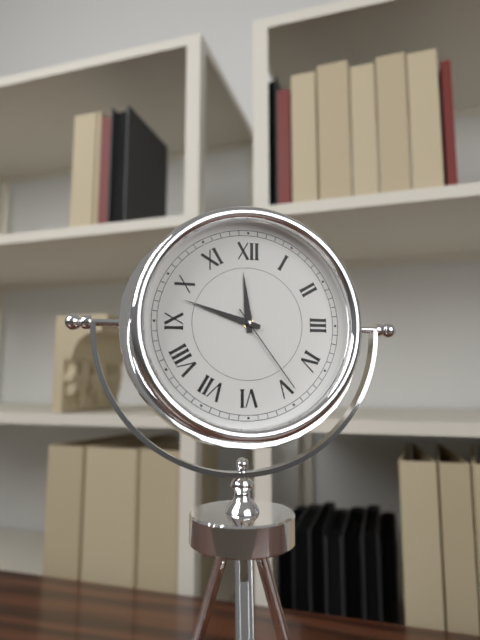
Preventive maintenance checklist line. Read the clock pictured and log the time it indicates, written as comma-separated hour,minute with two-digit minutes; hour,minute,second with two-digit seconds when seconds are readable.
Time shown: 11,48,24
